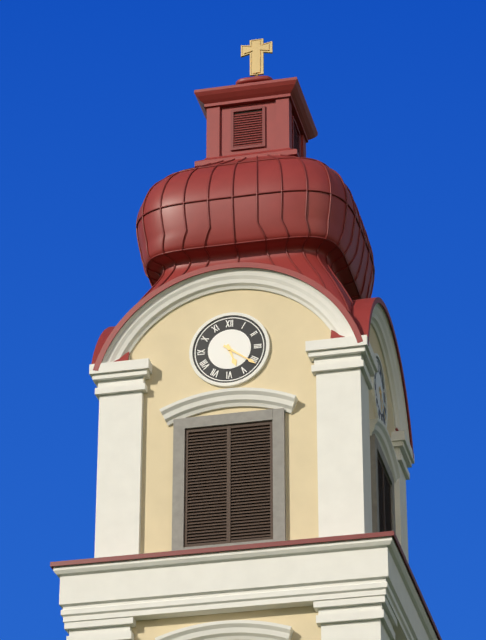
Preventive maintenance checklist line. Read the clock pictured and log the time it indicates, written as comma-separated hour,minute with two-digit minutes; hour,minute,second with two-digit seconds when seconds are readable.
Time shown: 5,21
